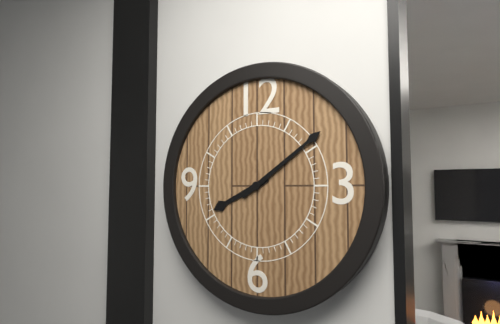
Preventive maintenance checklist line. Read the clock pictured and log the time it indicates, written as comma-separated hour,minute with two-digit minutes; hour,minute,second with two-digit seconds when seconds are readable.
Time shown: 8,09
